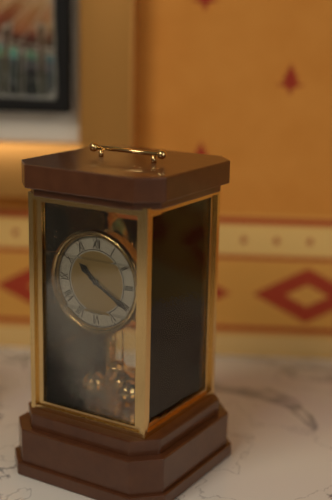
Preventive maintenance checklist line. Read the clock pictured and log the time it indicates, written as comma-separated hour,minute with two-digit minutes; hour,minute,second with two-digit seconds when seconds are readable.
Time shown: 10,20
